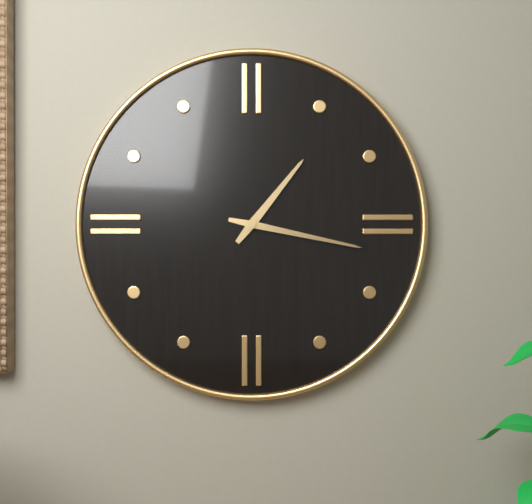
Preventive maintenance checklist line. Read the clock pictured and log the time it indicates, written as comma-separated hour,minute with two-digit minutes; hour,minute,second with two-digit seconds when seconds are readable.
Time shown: 1,17
